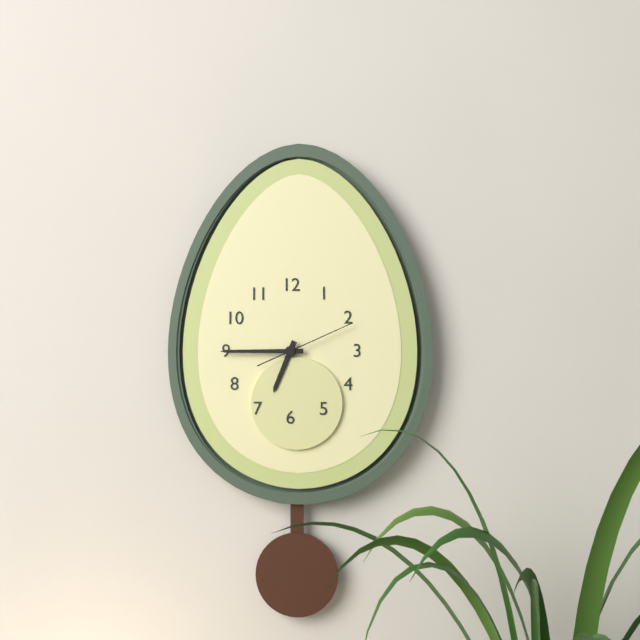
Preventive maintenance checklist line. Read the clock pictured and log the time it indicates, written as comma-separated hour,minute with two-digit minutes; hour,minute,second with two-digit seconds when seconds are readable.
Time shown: 6,45,11
